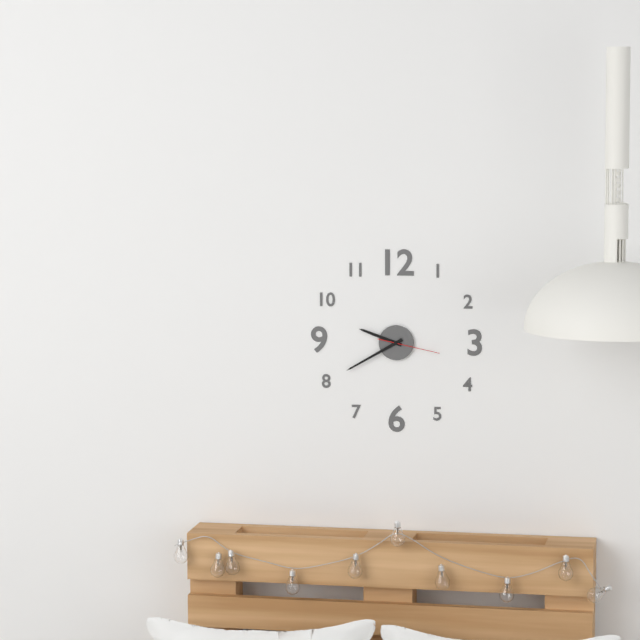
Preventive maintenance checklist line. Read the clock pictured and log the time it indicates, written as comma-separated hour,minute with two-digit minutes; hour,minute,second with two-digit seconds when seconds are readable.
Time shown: 9,40,17
